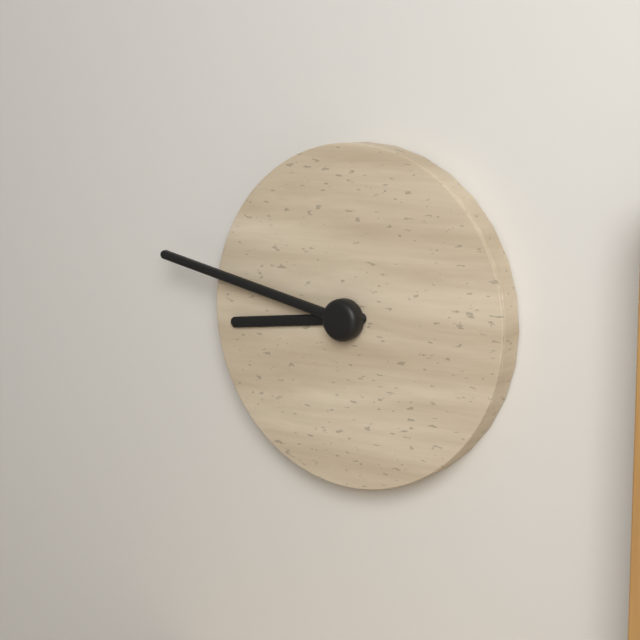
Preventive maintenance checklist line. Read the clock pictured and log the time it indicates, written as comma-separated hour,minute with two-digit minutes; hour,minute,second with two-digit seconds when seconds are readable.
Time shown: 8,47
